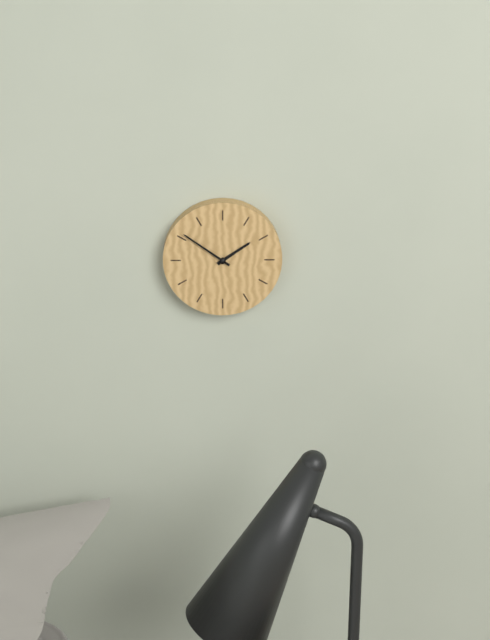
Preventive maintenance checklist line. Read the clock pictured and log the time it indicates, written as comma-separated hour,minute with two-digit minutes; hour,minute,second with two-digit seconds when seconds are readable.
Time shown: 1,51
